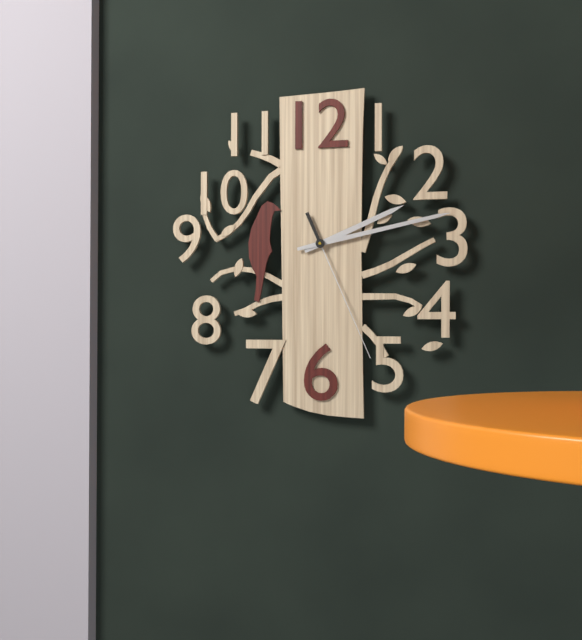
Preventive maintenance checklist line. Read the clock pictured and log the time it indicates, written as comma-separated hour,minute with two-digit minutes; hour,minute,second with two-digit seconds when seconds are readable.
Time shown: 2,13,26
